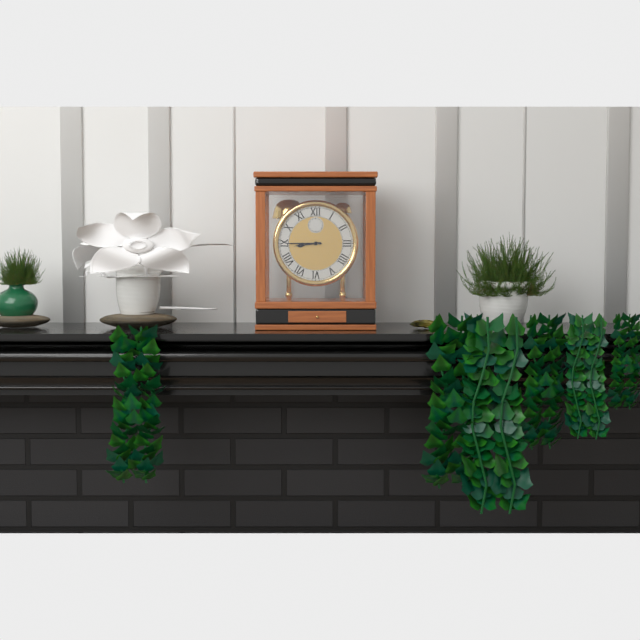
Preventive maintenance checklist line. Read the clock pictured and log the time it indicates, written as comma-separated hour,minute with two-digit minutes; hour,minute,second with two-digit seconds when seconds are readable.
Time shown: 8,45
